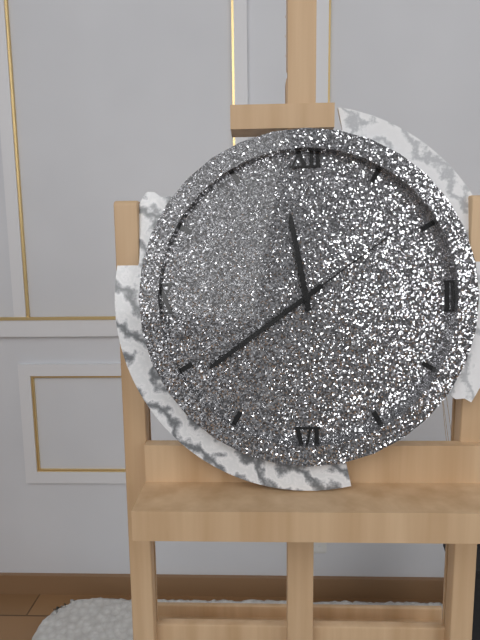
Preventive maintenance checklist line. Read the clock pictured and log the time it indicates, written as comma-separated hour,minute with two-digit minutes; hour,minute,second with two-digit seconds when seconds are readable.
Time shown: 11,39,09
